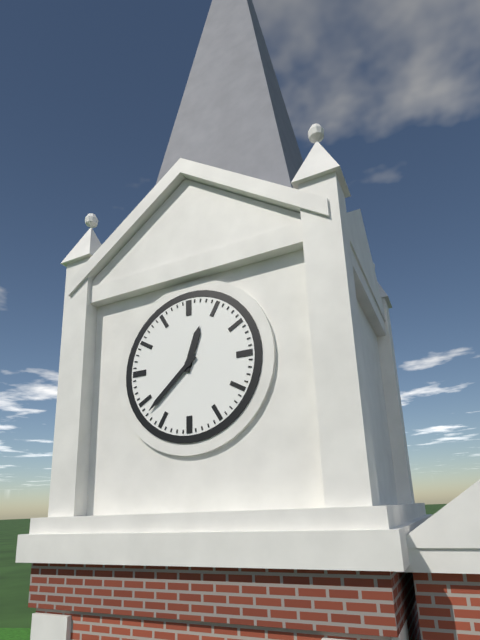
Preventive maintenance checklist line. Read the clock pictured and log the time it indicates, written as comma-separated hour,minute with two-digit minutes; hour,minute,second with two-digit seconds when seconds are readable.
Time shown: 12,38
